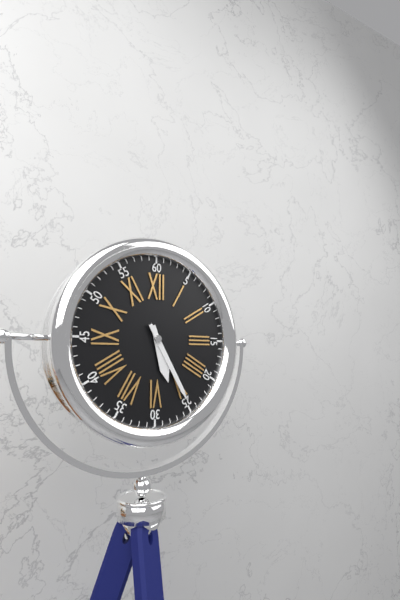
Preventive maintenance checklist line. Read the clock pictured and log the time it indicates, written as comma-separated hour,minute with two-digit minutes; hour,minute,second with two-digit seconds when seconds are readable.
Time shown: 5,25
